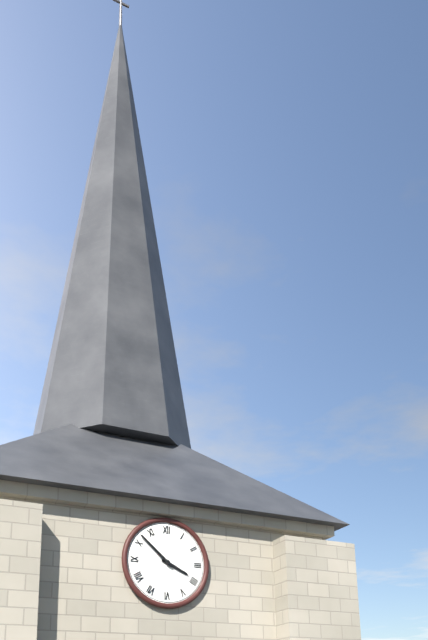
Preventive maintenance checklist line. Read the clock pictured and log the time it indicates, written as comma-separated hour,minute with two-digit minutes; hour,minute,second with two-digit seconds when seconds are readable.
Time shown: 3,52
